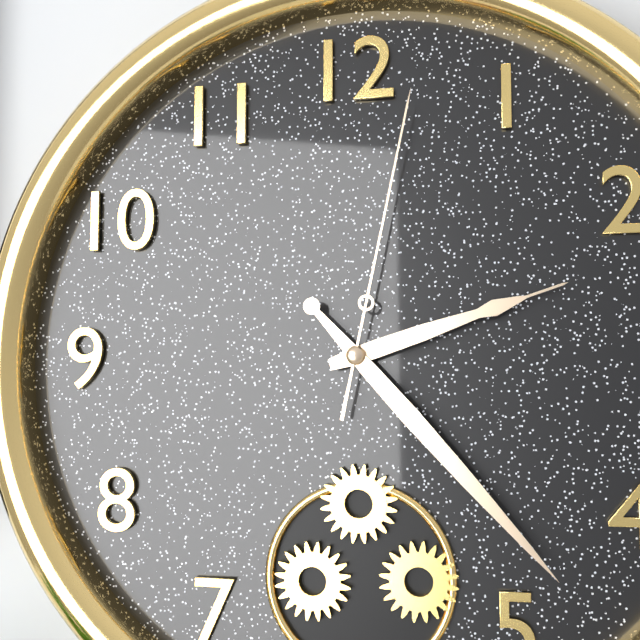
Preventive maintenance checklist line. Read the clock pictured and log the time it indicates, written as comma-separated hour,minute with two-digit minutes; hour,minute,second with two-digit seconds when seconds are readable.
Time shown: 2,23,02
